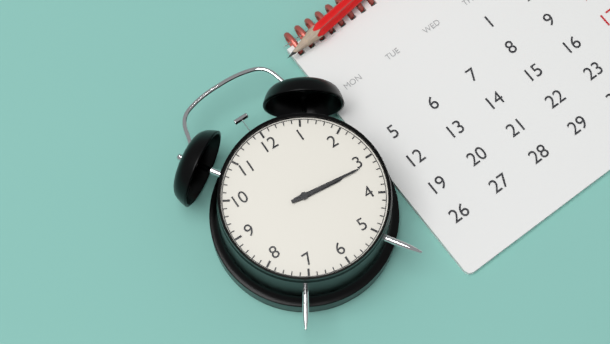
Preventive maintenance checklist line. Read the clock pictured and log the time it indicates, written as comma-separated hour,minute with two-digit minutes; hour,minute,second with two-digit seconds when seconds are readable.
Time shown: 3,16
